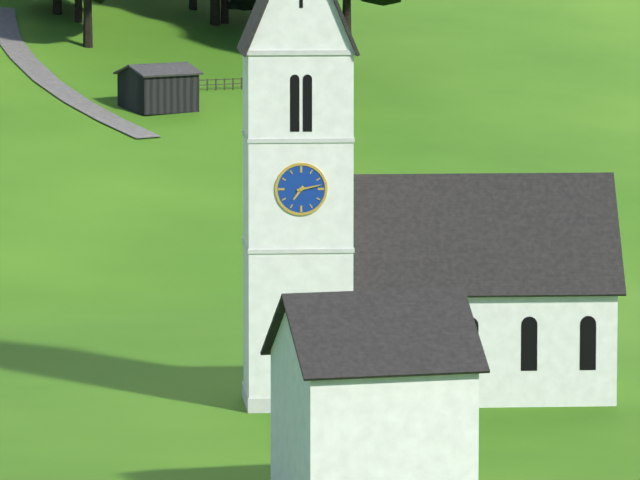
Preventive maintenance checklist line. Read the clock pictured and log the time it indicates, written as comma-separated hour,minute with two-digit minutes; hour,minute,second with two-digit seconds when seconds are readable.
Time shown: 7,13
